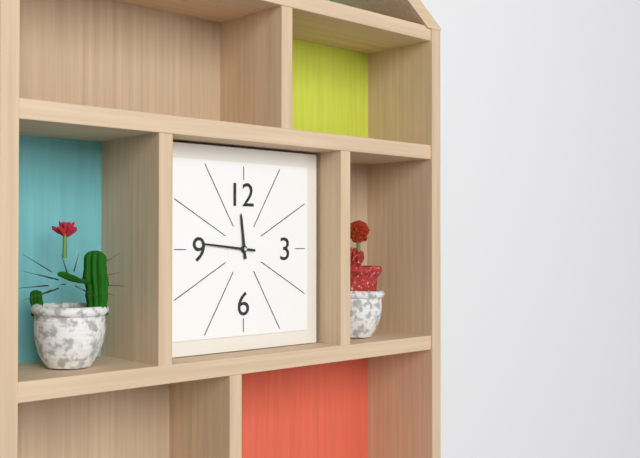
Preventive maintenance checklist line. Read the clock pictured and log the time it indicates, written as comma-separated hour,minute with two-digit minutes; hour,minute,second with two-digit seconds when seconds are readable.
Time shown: 11,46
